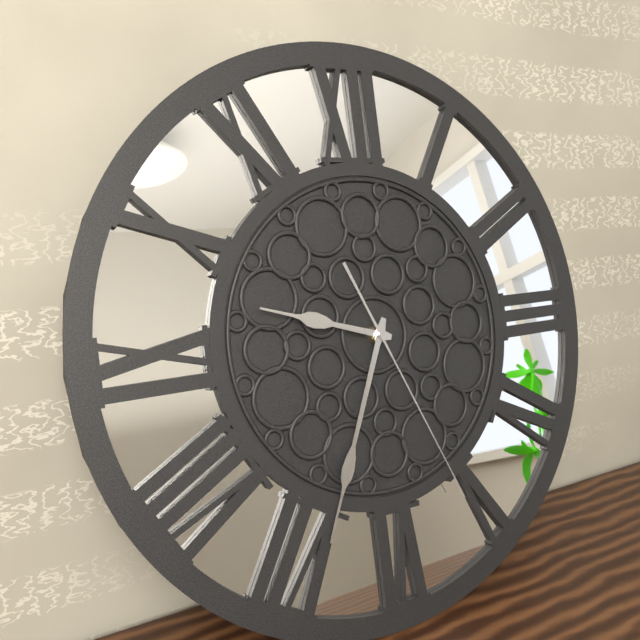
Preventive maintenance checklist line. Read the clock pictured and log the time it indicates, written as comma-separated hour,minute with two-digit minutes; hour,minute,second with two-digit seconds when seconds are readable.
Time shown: 9,34,26
